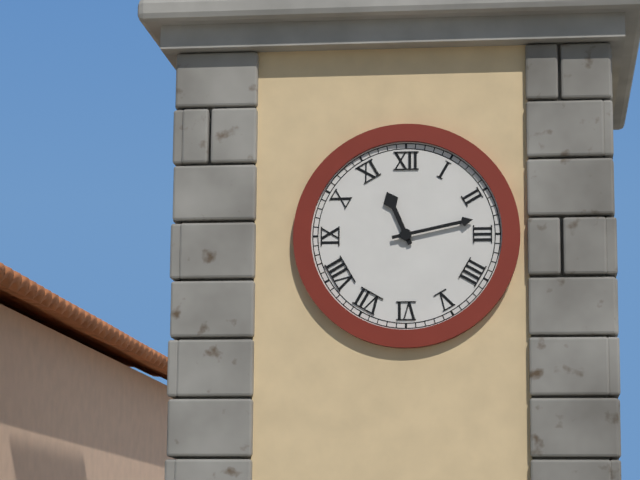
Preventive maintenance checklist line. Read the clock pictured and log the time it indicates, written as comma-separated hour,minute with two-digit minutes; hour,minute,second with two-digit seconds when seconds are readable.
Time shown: 11,13
